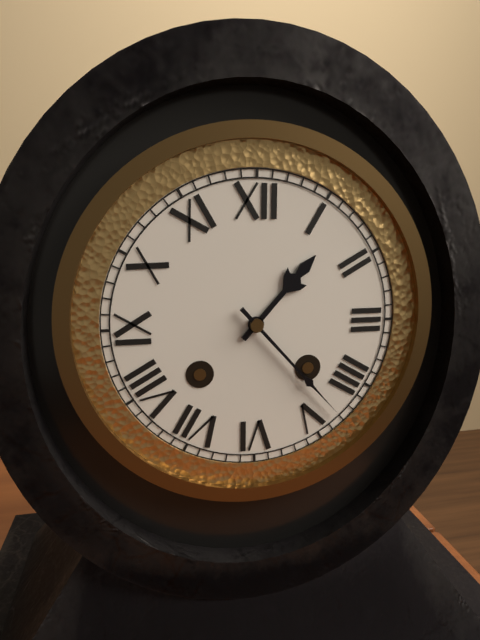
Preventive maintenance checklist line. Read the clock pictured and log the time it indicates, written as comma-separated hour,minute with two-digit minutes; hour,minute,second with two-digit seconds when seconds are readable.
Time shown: 1,23
